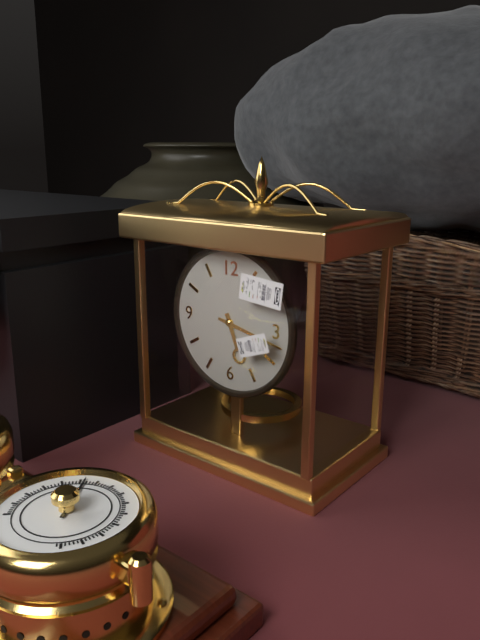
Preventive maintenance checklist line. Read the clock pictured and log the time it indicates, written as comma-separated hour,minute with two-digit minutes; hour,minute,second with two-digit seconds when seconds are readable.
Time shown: 5,17
